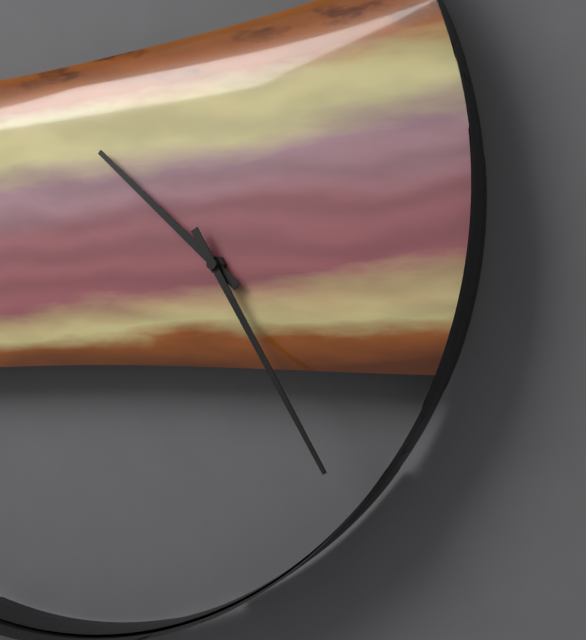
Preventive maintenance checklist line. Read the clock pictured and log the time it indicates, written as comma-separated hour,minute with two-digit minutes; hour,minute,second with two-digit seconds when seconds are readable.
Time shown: 10,25
